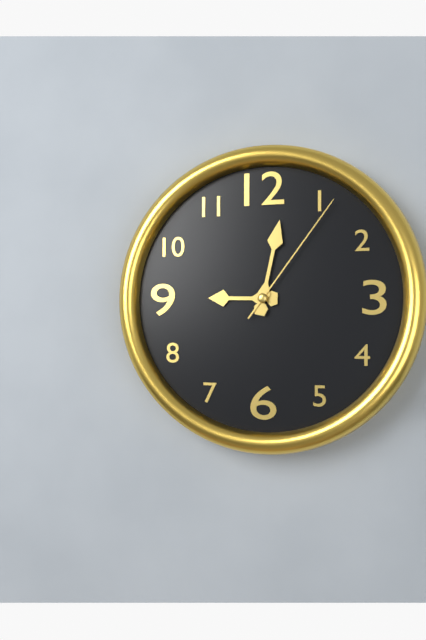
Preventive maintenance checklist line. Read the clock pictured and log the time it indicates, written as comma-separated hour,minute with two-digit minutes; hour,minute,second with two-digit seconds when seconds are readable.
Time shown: 9,02,06
